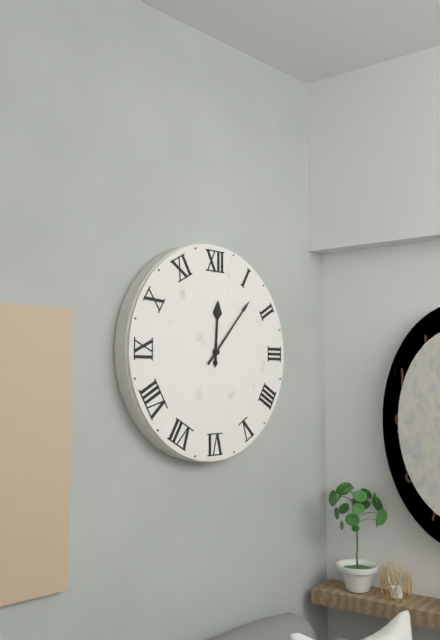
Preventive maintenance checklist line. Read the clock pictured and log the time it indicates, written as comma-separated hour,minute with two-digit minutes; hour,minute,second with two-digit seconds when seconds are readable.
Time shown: 12,07
